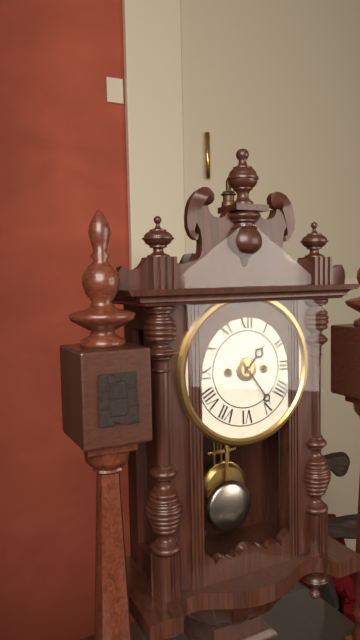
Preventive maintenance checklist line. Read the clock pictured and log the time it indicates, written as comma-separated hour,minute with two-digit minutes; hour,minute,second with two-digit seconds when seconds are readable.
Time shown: 1,24
